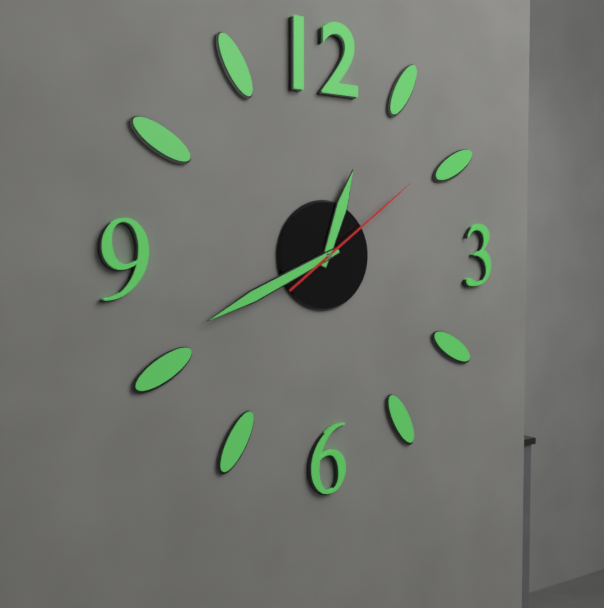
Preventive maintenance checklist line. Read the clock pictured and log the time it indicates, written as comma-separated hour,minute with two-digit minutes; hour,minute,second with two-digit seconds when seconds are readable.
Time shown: 12,41,09
